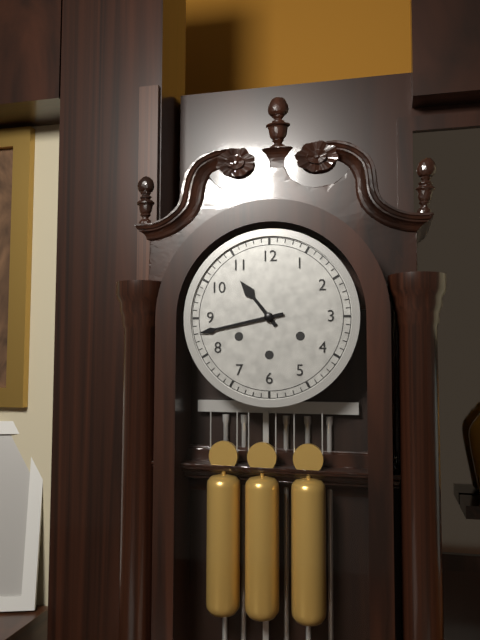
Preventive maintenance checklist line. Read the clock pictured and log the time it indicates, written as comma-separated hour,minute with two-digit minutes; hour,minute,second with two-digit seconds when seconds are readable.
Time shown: 10,43
